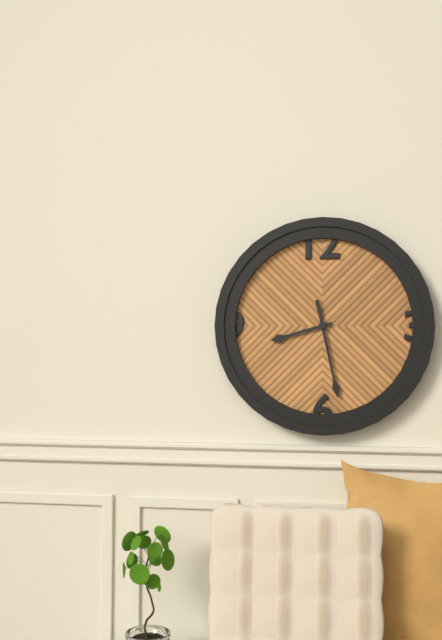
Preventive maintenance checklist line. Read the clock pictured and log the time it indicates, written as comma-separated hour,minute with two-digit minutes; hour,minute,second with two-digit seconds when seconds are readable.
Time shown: 8,28
